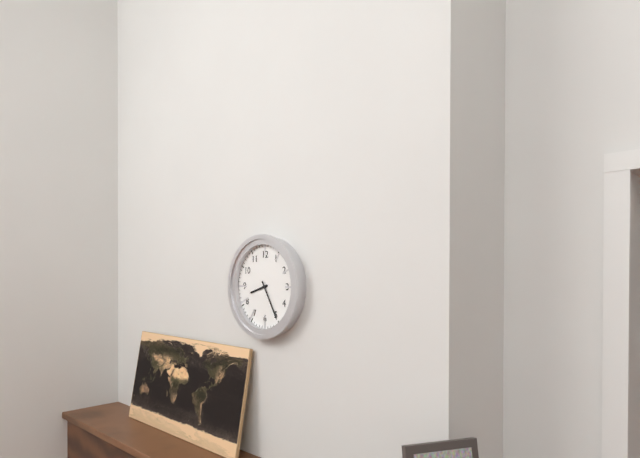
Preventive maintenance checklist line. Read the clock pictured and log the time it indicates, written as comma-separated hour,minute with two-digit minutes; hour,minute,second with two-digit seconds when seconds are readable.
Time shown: 8,25
